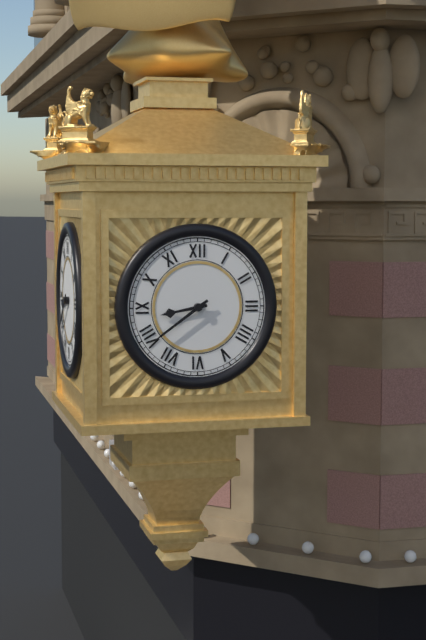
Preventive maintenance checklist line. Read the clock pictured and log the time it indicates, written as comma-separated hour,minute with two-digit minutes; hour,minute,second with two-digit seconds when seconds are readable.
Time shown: 8,39
